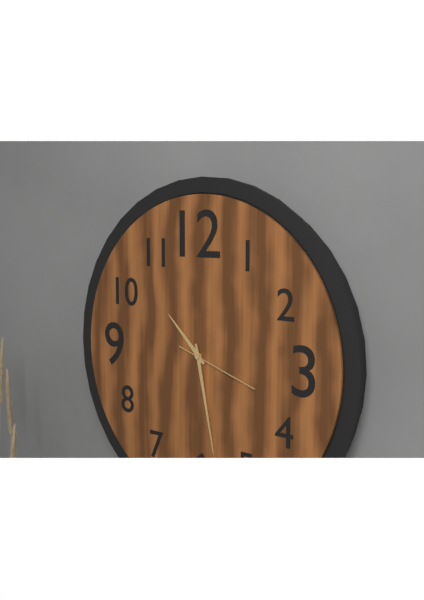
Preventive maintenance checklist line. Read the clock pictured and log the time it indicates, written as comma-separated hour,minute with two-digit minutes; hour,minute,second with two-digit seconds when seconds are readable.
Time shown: 10,28,18
